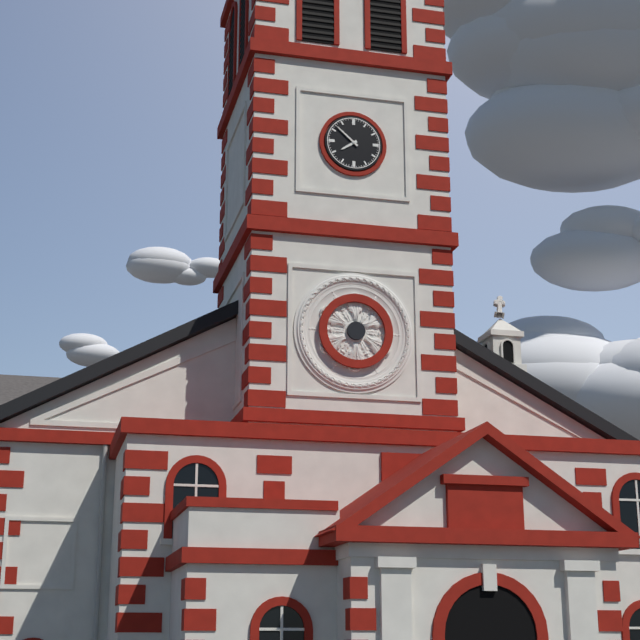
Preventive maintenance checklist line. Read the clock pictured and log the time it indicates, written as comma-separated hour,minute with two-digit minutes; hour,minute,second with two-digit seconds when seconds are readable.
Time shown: 7,52
